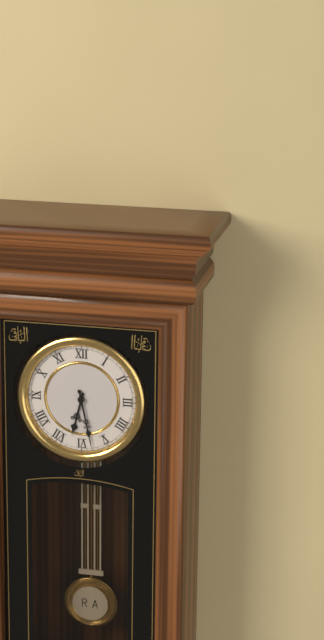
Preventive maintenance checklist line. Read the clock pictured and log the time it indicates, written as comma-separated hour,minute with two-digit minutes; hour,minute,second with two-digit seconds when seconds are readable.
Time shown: 6,28
